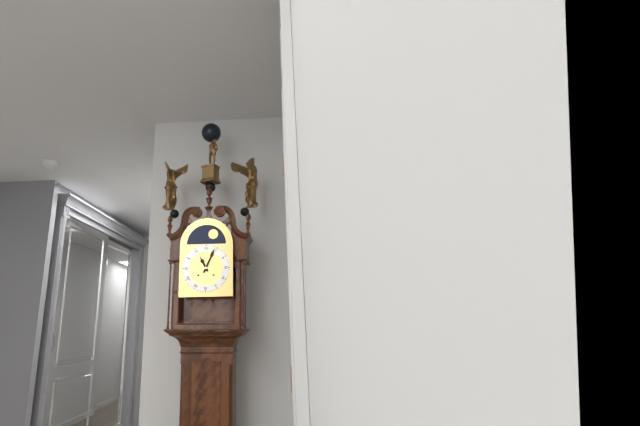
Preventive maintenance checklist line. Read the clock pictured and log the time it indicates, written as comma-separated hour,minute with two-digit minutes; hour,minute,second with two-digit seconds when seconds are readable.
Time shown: 11,04
